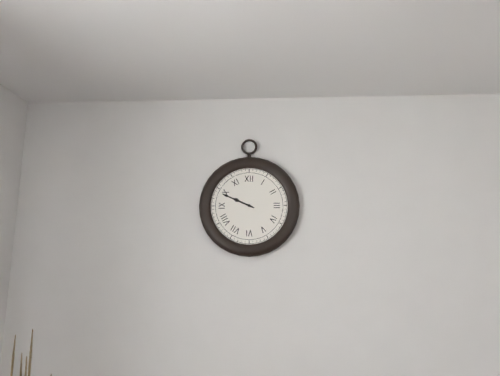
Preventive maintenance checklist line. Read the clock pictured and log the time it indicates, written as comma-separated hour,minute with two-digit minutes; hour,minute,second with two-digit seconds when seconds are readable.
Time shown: 9,49
